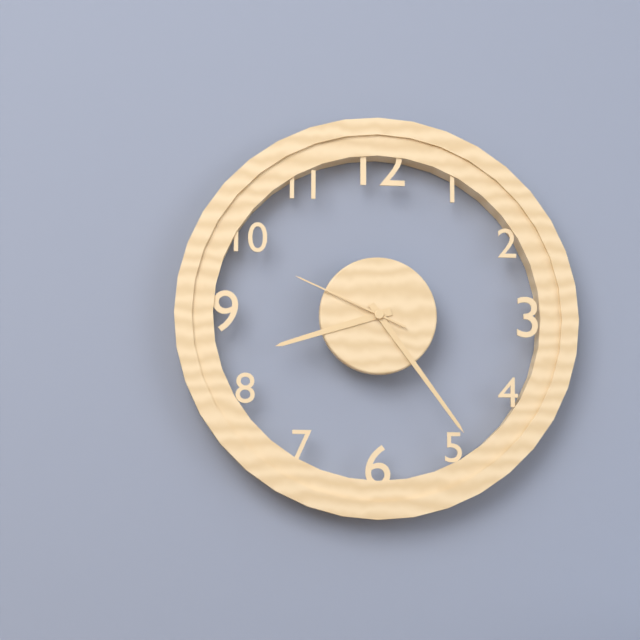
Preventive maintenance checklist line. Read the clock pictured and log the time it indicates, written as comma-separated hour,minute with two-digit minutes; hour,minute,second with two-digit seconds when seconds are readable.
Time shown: 8,24,49
